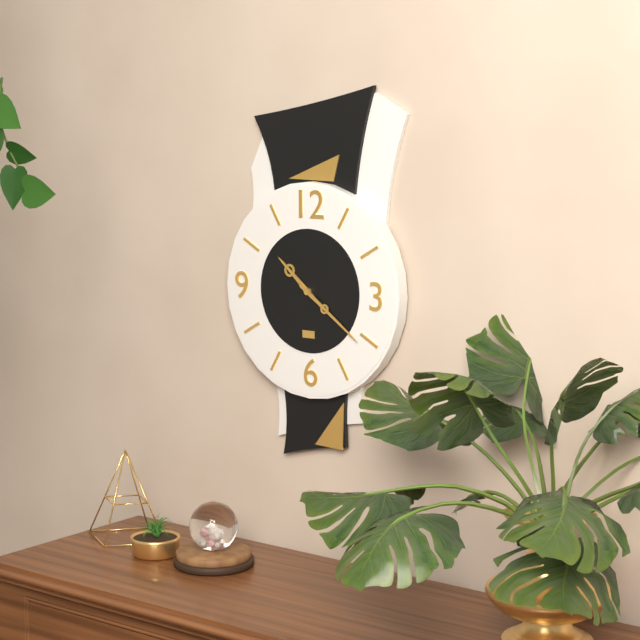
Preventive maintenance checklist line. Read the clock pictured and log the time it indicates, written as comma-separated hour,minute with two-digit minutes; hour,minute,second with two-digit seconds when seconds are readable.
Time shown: 10,21
